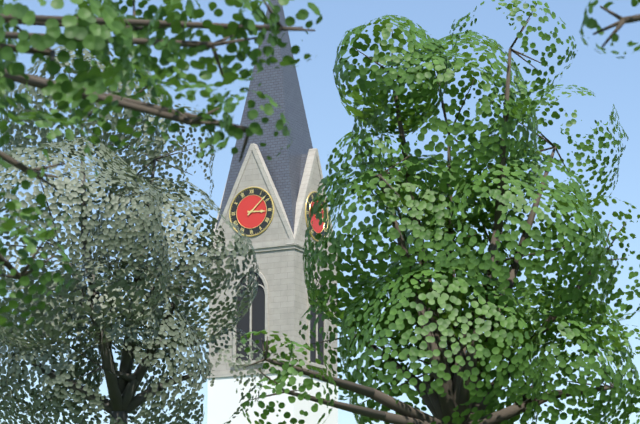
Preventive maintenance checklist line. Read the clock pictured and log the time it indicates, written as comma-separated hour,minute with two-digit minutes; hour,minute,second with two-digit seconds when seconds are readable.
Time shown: 3,08
